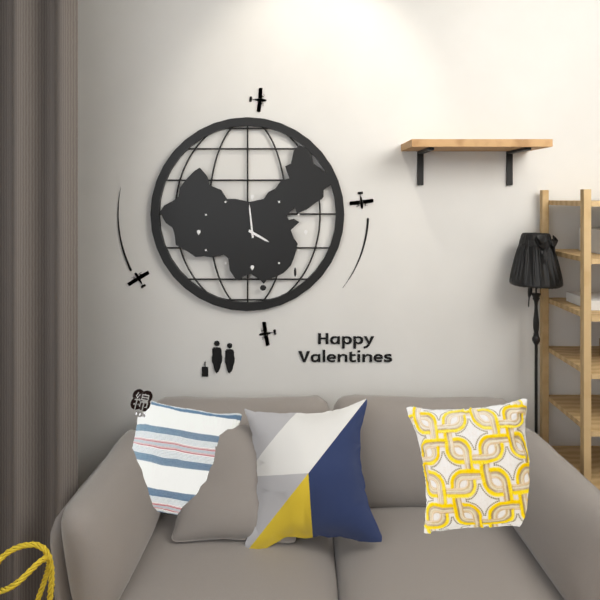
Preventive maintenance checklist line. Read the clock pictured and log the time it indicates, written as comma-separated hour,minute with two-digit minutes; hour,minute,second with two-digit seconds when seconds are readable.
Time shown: 3,59
